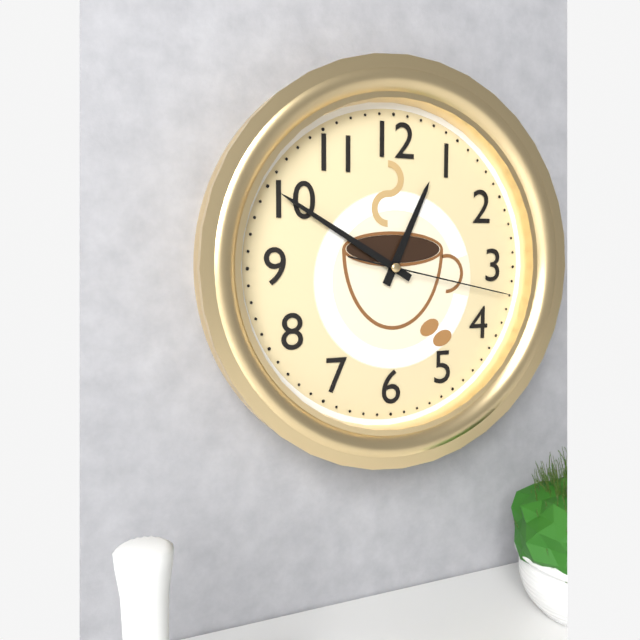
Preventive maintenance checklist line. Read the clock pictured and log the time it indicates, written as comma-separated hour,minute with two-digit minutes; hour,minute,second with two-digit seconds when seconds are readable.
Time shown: 12,50,17
